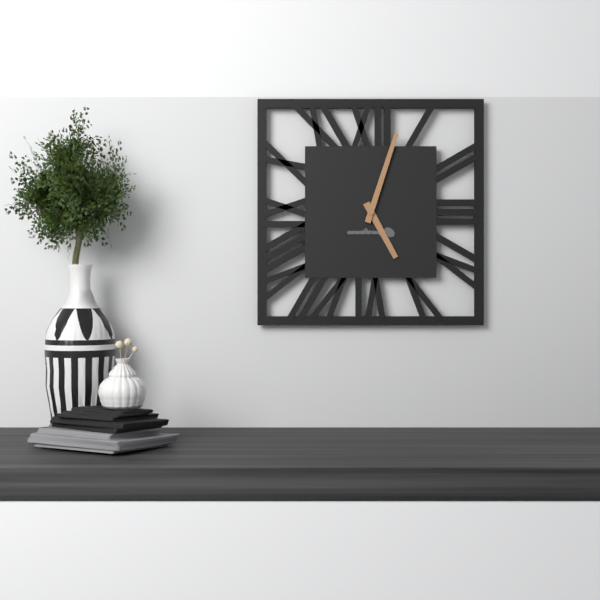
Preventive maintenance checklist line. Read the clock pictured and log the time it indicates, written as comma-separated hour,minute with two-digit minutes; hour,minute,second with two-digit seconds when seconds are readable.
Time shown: 5,03
